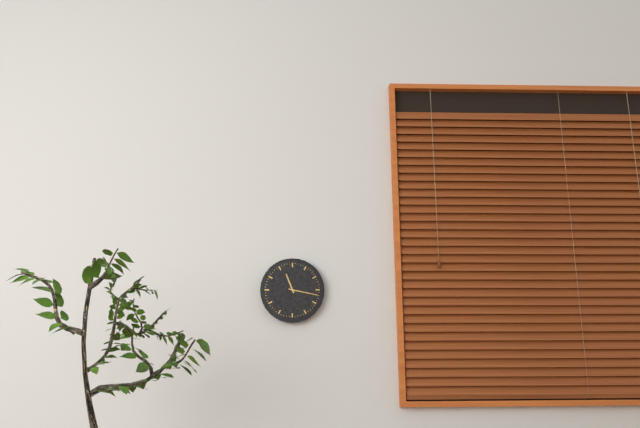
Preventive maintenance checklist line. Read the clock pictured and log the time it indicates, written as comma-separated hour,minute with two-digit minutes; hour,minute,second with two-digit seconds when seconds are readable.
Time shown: 11,17
